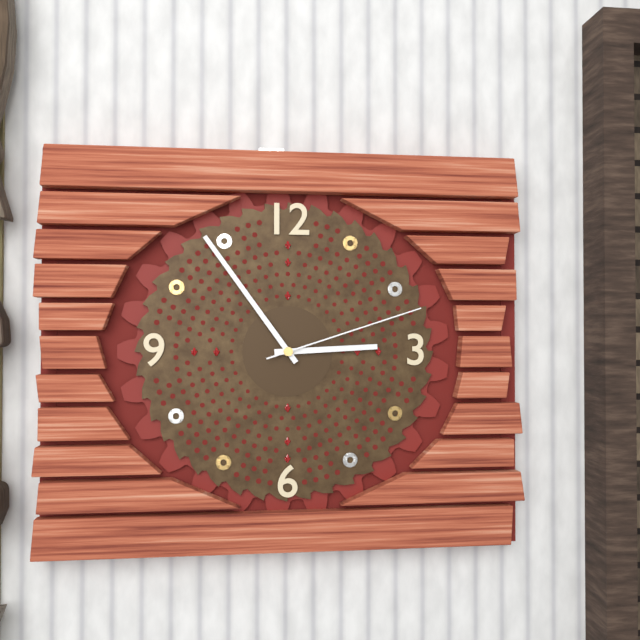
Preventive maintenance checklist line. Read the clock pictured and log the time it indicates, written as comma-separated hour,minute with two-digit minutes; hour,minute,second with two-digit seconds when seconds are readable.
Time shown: 2,54,12
